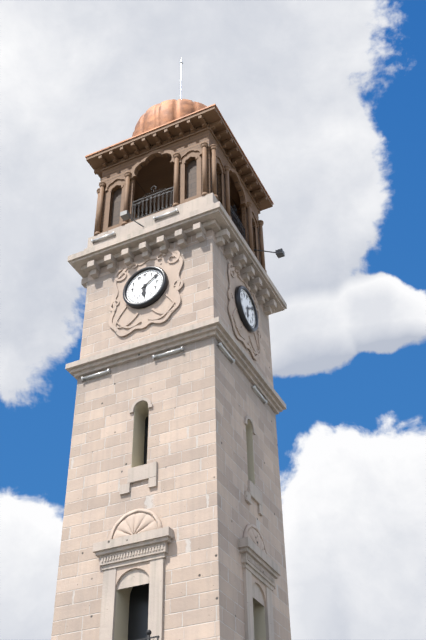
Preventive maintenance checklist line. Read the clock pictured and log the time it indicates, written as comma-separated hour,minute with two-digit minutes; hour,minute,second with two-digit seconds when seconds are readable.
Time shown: 6,09
